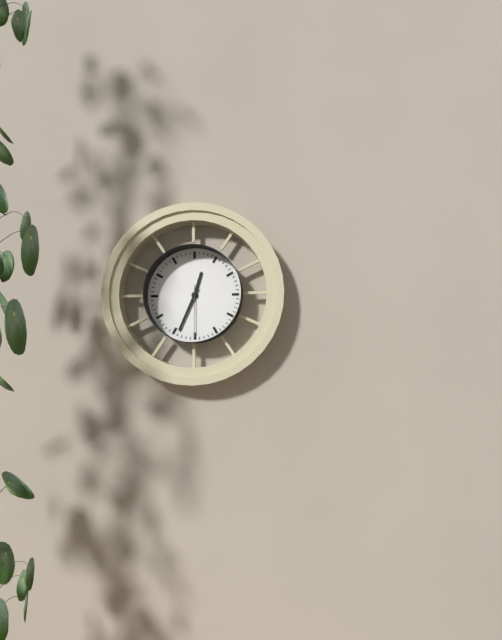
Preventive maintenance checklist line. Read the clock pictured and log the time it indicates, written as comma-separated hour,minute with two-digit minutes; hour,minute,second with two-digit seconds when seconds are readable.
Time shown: 12,34,30
